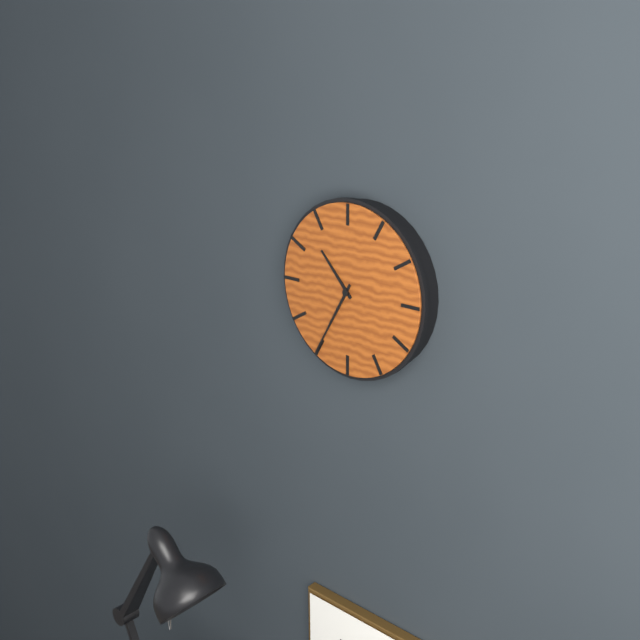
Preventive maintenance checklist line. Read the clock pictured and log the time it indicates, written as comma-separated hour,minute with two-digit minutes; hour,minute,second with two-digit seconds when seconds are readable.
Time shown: 10,35
